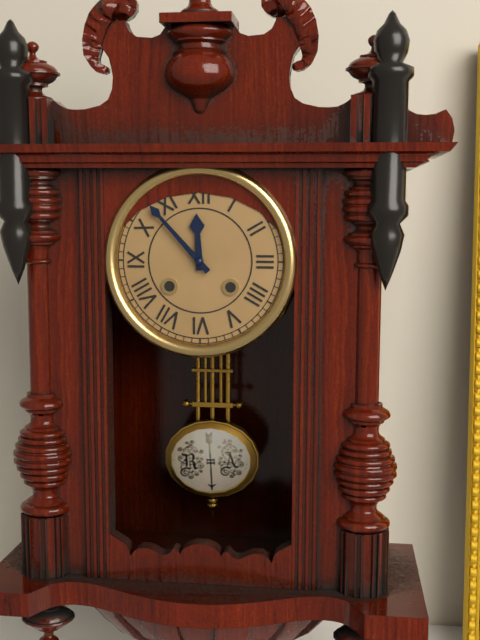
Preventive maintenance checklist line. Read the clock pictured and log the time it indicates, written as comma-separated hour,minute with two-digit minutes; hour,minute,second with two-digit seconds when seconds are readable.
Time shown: 11,53
